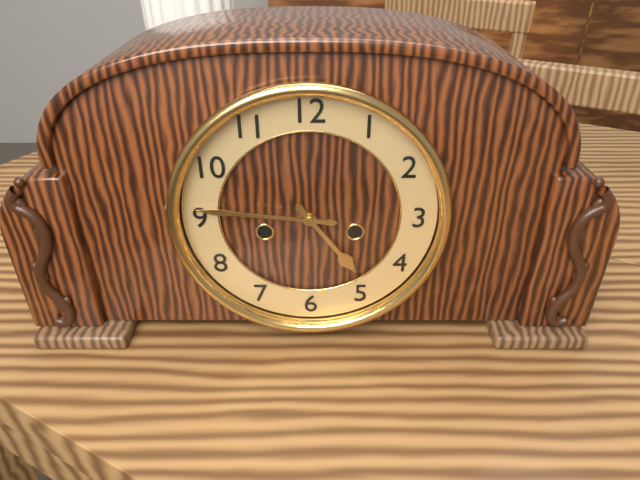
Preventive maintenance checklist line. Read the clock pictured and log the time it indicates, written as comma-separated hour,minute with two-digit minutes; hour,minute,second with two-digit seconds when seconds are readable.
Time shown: 4,46
